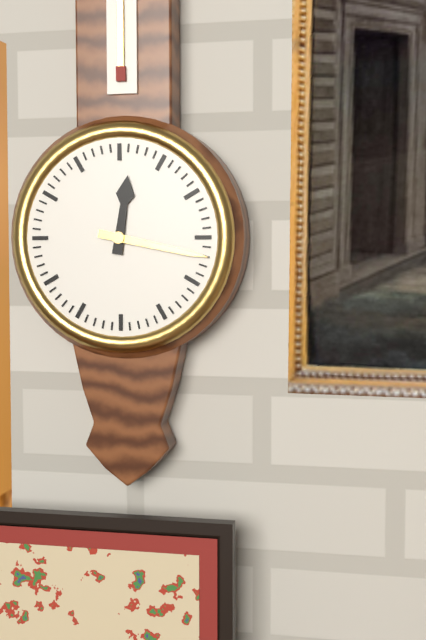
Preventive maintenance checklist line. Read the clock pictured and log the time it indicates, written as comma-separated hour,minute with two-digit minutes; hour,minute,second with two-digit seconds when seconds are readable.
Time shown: 12,17
